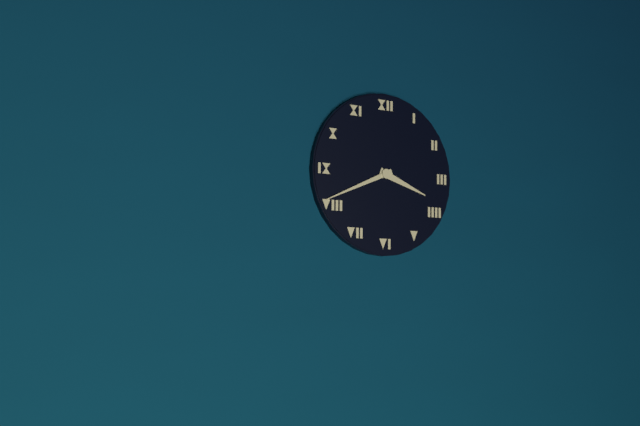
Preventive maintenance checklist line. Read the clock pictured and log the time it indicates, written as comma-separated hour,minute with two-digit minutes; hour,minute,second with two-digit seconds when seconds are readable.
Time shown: 3,41
